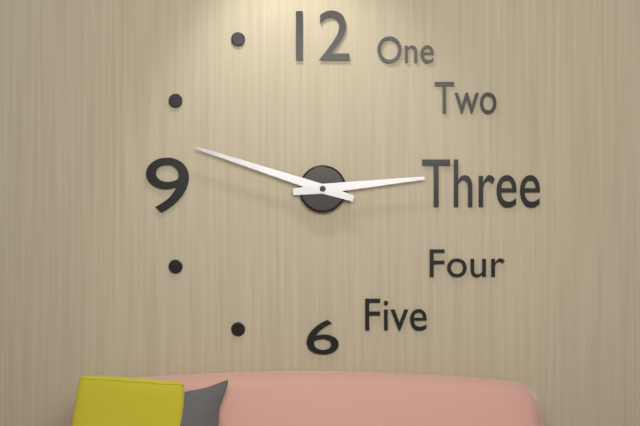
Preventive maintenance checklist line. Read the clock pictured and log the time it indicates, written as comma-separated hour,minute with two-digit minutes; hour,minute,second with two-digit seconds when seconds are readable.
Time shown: 2,48
